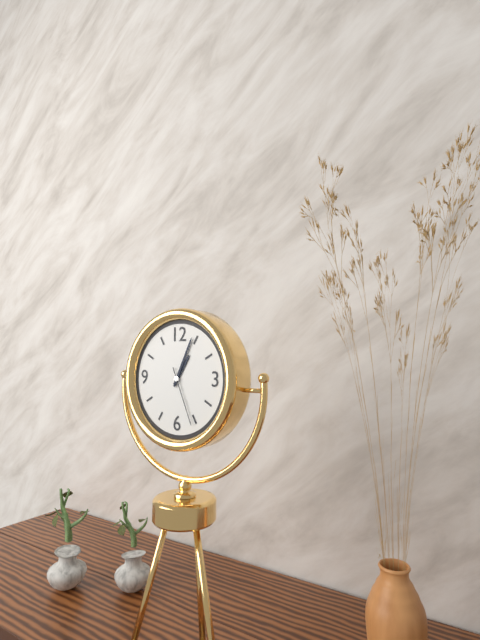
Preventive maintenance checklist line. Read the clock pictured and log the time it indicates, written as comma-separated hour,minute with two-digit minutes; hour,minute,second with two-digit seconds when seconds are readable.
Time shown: 1,04,26
